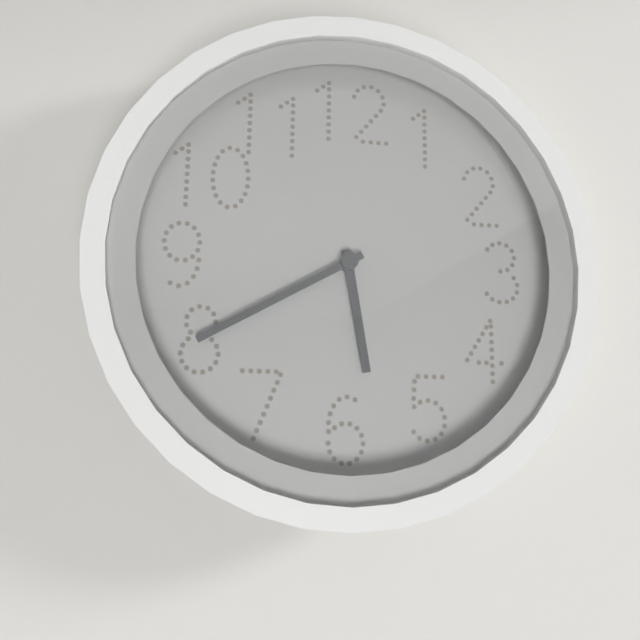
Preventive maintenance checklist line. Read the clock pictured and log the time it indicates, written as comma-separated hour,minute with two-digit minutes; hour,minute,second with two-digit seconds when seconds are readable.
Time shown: 5,40
